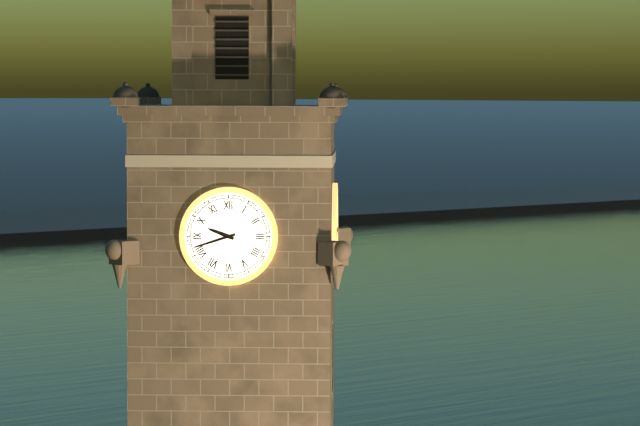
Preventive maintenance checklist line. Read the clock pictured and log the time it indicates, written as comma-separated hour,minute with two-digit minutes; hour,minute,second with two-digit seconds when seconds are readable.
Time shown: 9,42
